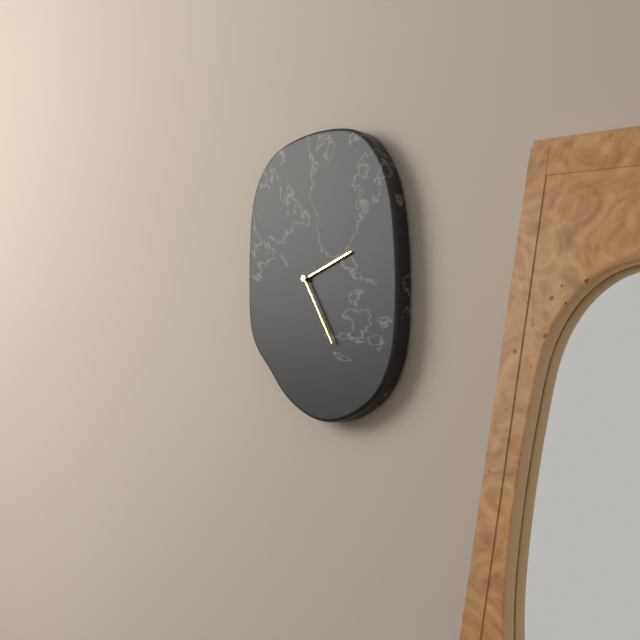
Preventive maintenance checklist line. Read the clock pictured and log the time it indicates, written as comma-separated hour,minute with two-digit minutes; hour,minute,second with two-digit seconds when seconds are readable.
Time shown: 2,25
